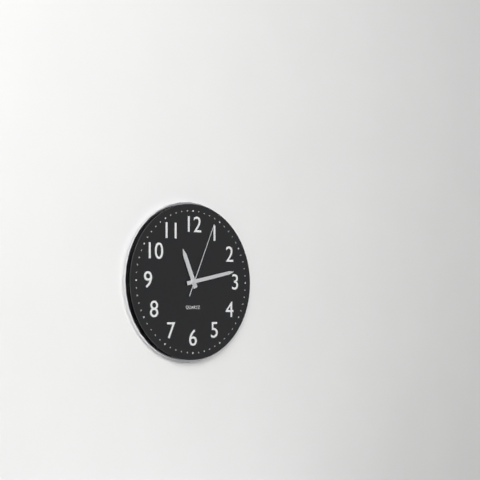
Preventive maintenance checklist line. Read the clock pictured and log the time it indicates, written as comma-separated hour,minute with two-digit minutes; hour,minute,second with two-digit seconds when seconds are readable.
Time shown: 11,13,04
